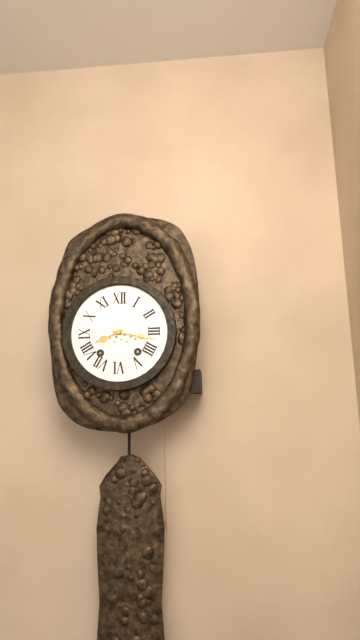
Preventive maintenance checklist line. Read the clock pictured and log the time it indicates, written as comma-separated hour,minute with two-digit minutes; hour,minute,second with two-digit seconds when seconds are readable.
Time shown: 8,17
